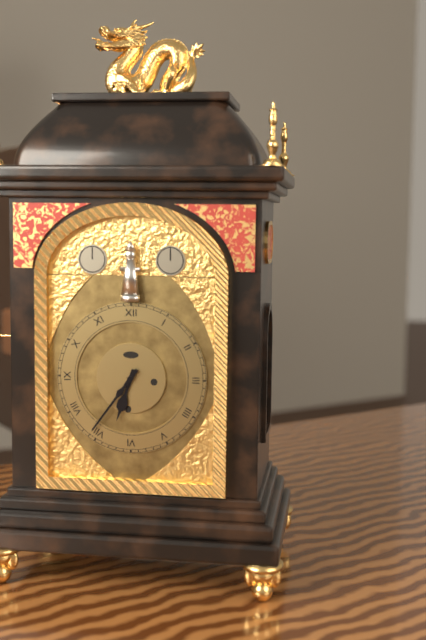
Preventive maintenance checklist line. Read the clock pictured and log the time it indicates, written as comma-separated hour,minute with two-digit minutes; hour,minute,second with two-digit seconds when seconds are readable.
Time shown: 6,36
